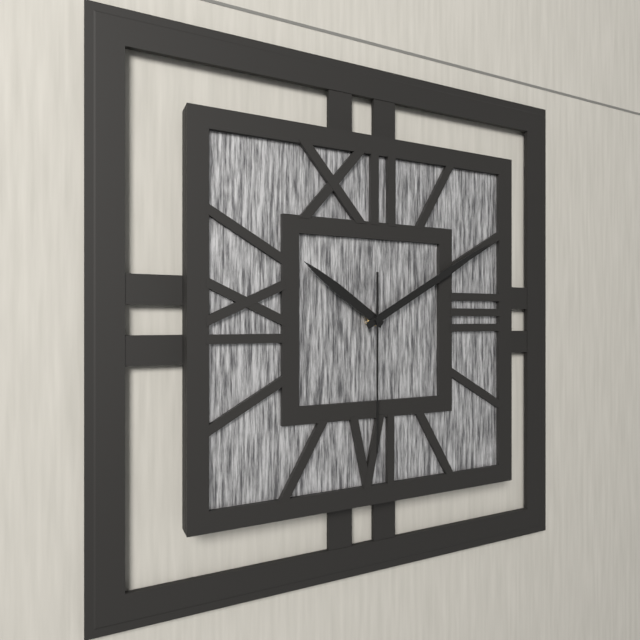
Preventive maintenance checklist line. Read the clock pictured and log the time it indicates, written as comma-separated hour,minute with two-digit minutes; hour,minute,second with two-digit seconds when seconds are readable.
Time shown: 10,10,30
